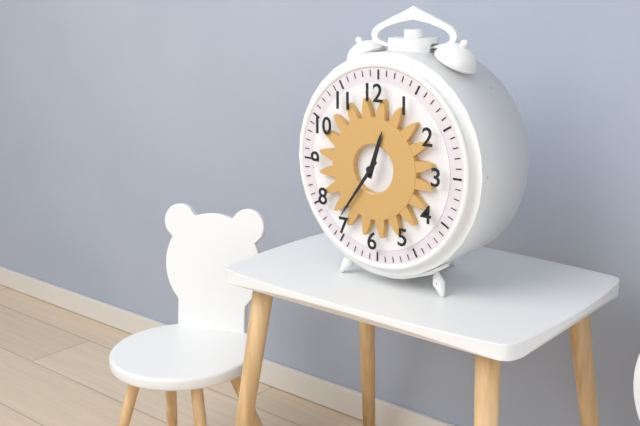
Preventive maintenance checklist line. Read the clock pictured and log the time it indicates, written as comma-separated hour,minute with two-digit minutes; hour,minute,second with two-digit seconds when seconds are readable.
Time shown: 12,36
